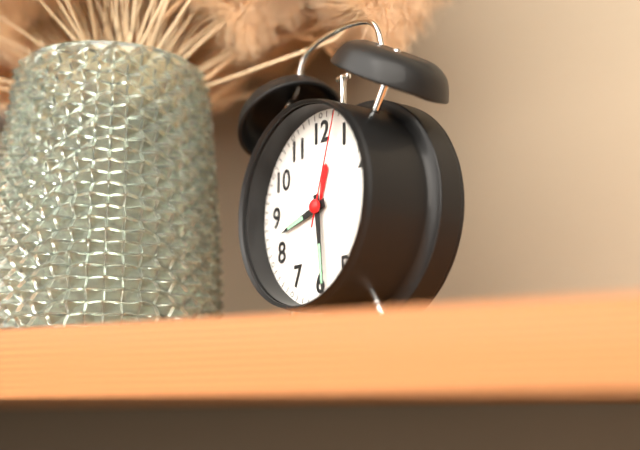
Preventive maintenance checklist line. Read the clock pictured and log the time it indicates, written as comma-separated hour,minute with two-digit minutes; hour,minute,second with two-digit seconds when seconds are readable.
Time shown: 8,29,03
